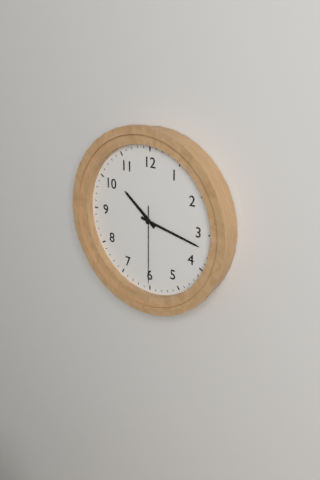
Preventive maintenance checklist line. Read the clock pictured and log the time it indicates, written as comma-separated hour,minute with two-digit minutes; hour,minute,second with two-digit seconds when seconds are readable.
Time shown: 10,17,30
